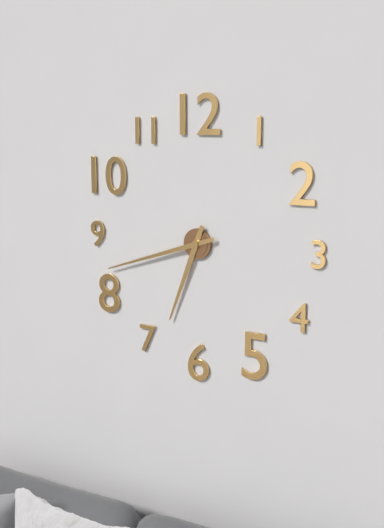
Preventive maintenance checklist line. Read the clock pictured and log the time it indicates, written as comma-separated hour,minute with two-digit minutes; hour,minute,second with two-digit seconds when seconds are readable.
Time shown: 6,42
